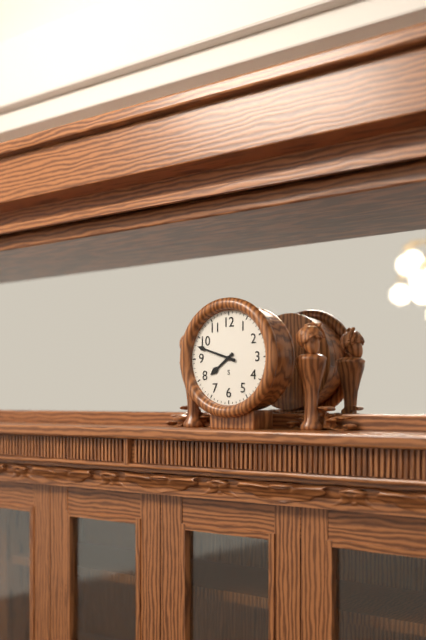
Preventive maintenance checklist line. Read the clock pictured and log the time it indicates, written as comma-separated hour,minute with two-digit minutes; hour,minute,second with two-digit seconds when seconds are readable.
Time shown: 7,48
